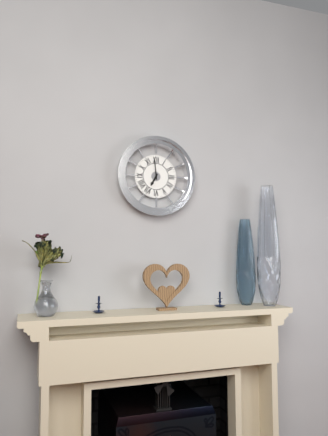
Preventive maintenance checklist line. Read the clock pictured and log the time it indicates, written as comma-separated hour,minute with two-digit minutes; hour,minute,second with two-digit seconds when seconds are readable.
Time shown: 6,59
